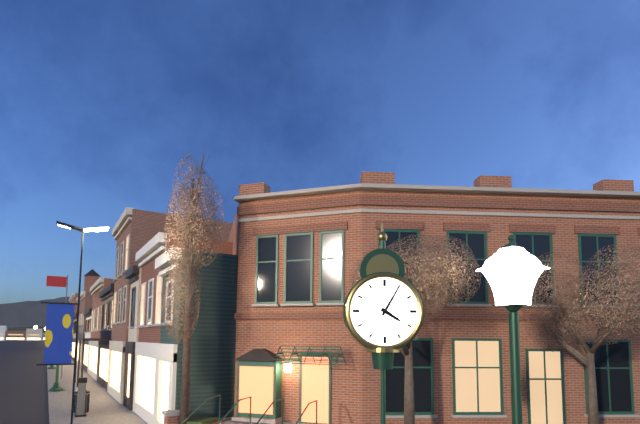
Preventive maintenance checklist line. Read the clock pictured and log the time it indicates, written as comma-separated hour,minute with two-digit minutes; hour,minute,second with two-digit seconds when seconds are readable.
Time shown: 4,05
